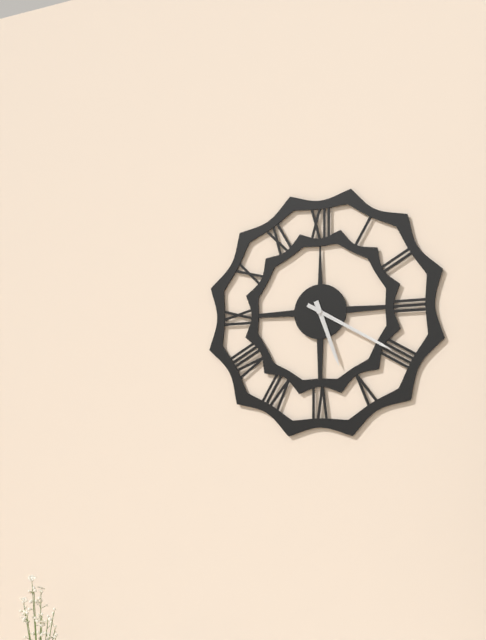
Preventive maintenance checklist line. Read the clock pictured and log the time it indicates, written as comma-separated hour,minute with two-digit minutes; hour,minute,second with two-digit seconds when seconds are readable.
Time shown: 5,20
